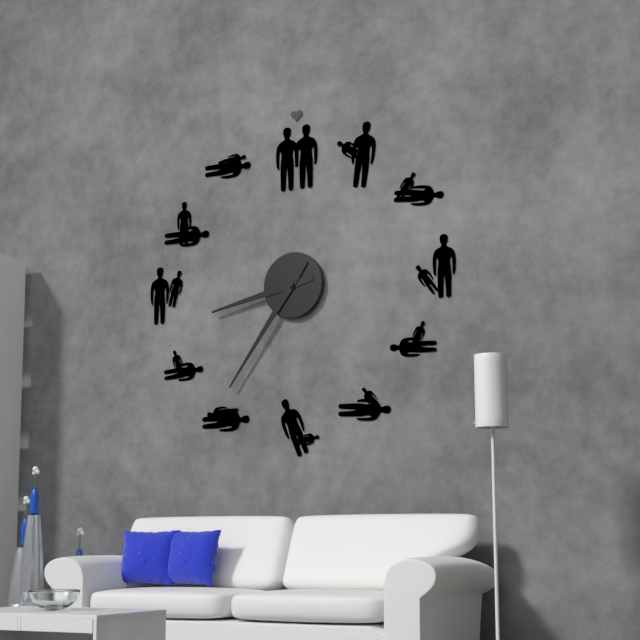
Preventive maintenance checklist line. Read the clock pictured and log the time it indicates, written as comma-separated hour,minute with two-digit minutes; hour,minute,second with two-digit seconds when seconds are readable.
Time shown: 8,36
